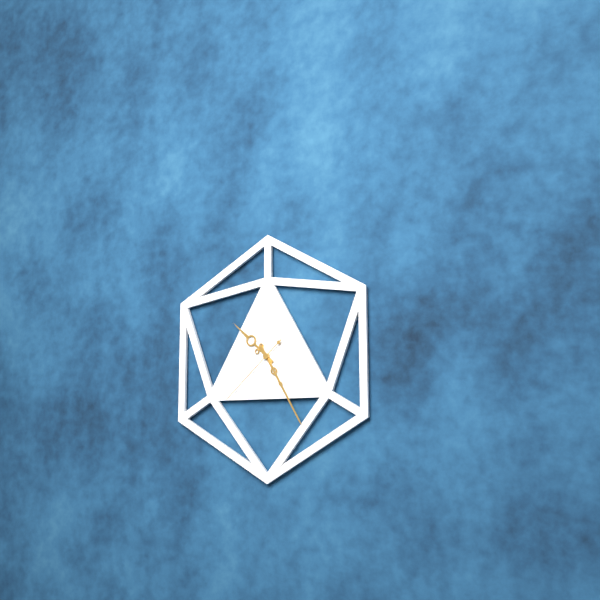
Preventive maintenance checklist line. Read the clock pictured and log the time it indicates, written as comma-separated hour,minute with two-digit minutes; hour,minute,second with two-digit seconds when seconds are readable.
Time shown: 10,25,38
